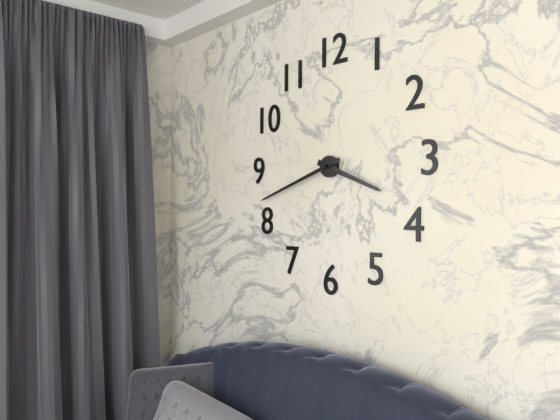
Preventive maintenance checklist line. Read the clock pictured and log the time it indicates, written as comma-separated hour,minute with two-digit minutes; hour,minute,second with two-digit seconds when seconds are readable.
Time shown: 3,42
